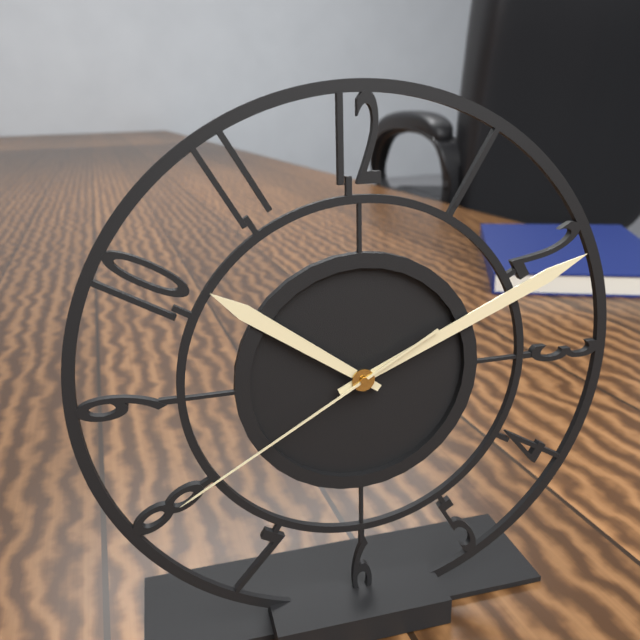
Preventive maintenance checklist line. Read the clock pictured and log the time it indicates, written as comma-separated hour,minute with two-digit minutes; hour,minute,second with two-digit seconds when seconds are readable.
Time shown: 10,11,40
